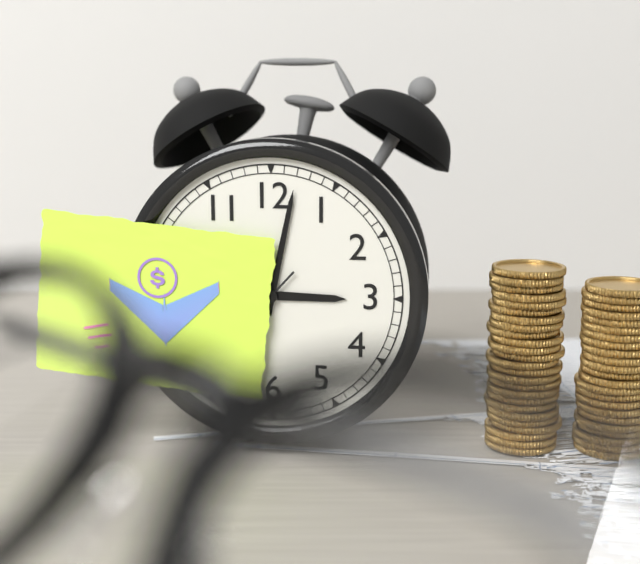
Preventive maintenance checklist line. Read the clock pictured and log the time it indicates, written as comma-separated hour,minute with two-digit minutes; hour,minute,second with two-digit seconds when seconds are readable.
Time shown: 3,02
